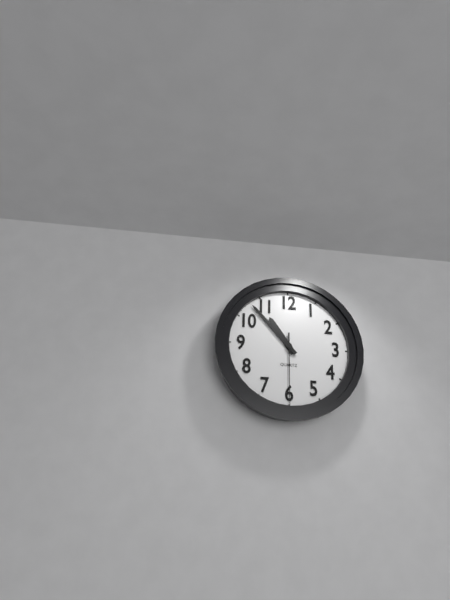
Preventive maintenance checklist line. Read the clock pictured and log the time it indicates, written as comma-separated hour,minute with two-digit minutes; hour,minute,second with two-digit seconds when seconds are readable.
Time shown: 10,53,30
